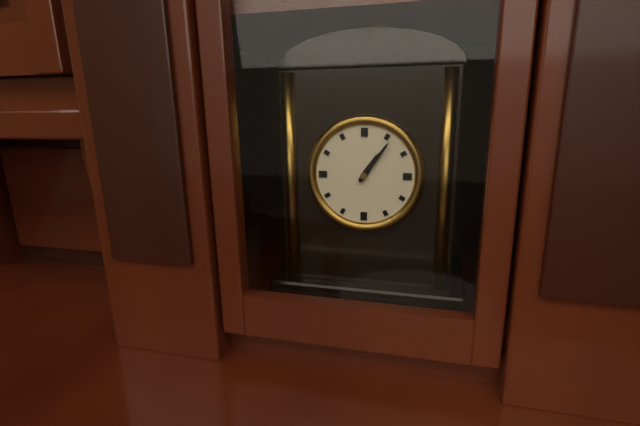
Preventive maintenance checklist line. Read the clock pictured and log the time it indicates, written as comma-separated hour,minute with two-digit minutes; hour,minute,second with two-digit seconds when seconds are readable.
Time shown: 1,06
